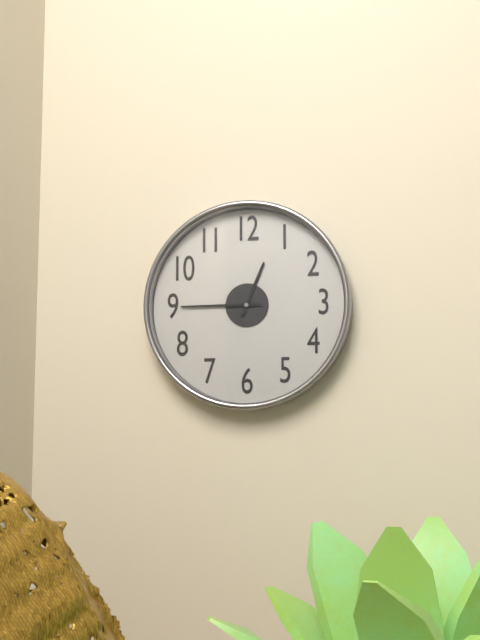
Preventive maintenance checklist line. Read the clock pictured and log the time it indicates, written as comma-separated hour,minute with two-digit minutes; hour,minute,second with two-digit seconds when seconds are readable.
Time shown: 12,45
